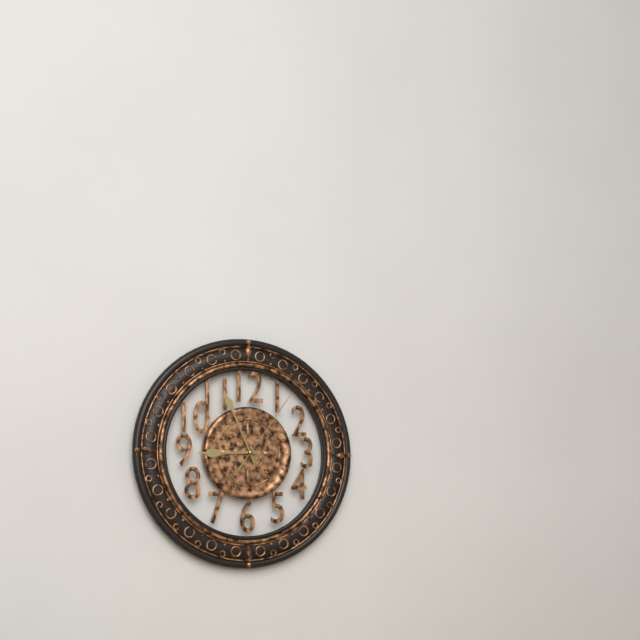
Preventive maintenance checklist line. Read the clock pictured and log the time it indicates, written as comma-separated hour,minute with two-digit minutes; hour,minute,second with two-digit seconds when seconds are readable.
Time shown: 8,56,06
